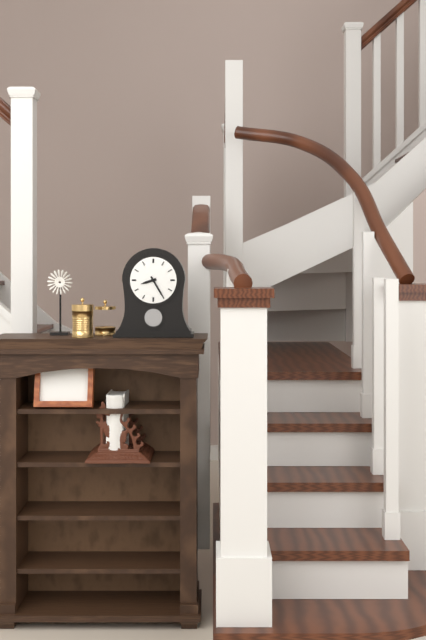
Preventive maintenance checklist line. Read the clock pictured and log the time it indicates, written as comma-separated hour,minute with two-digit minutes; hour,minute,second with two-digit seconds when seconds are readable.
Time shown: 8,25
